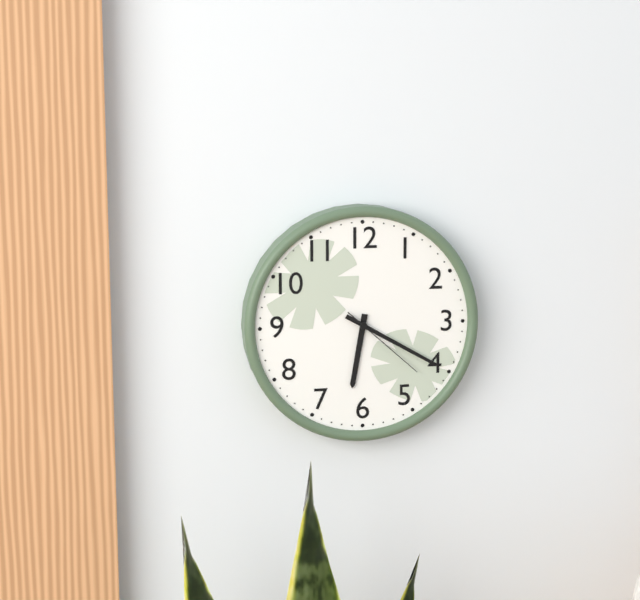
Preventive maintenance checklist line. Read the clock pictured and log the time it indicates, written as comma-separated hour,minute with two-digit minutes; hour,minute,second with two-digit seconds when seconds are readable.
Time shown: 6,20,22
